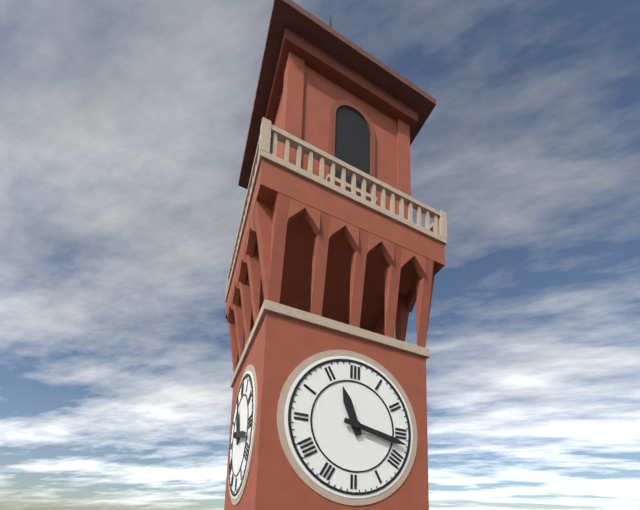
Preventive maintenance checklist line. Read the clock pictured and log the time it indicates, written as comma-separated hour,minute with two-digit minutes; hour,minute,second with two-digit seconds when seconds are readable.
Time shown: 11,17
